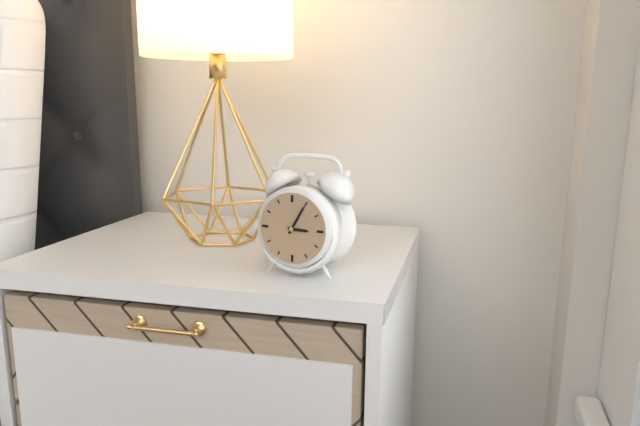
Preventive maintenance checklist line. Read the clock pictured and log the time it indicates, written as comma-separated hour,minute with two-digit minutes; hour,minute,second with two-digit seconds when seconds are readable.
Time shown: 3,05
